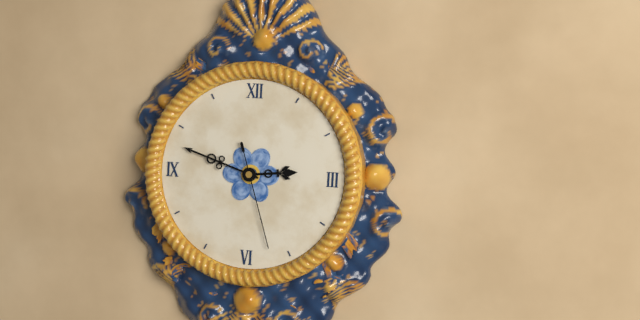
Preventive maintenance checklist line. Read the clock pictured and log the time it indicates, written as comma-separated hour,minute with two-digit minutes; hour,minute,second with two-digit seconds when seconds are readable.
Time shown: 2,48,27
